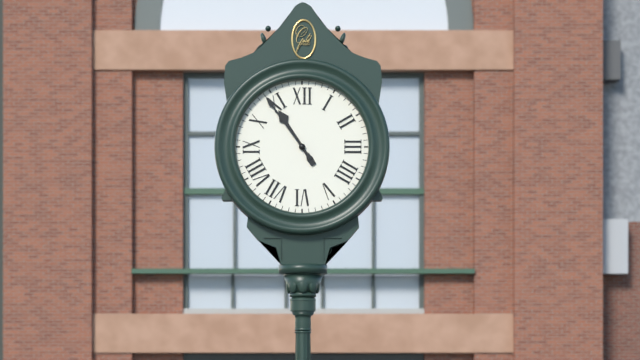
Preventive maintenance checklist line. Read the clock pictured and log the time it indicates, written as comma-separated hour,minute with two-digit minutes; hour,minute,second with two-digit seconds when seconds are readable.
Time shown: 10,54
